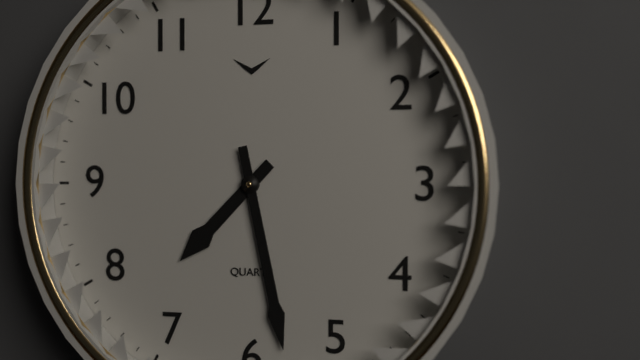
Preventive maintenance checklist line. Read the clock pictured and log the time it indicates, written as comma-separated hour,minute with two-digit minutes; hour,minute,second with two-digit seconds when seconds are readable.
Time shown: 7,28
